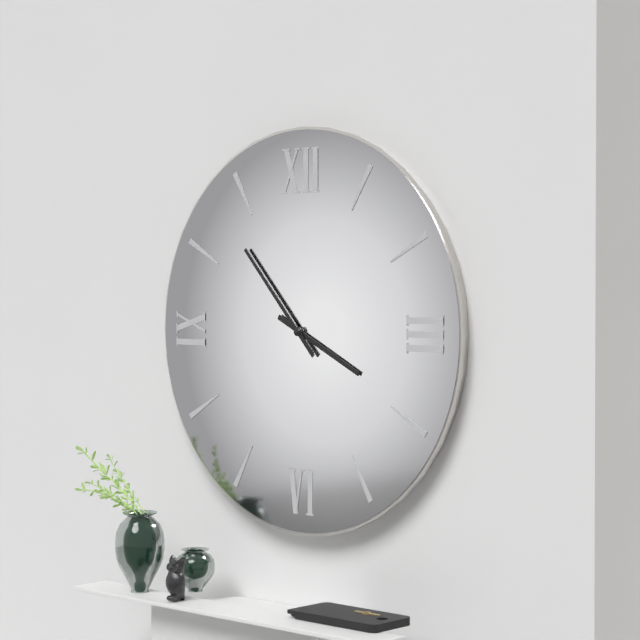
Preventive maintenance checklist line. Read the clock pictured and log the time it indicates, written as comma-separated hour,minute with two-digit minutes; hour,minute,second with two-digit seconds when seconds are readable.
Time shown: 3,53
